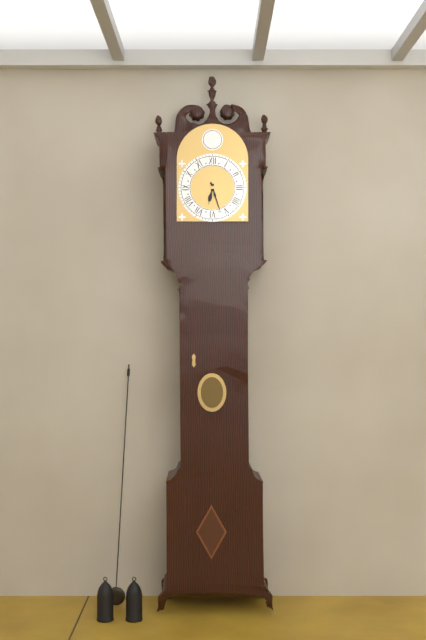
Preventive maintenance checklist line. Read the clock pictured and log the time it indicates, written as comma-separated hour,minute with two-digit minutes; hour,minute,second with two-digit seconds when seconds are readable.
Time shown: 6,27
